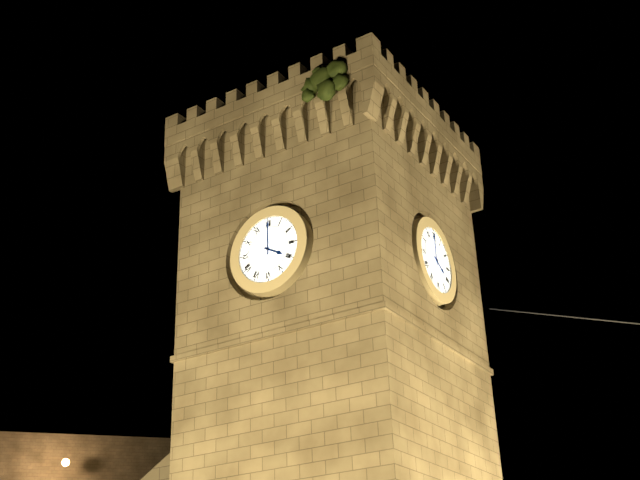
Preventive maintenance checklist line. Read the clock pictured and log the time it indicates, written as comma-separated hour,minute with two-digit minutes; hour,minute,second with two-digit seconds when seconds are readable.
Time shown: 4,00
